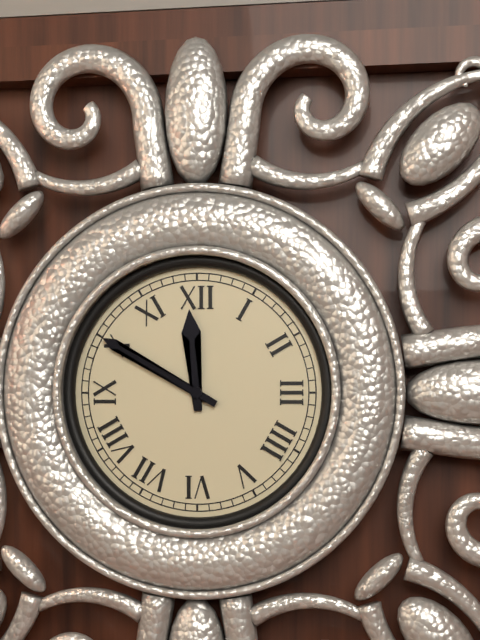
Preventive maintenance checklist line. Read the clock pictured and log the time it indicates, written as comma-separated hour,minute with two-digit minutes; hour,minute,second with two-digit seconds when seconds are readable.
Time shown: 11,50
